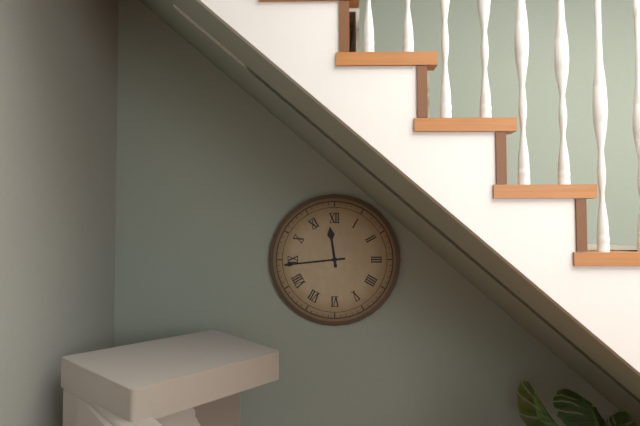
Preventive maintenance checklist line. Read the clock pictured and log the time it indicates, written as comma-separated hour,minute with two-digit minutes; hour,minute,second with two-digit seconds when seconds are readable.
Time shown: 11,44
